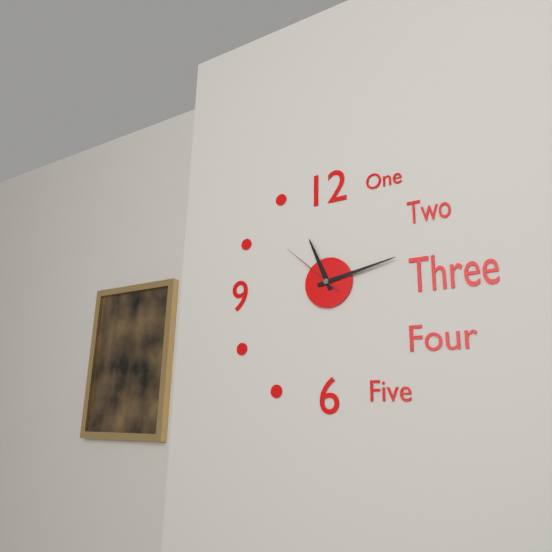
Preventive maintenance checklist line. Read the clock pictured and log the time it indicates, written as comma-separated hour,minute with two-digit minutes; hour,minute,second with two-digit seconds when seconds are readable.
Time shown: 11,13,52
